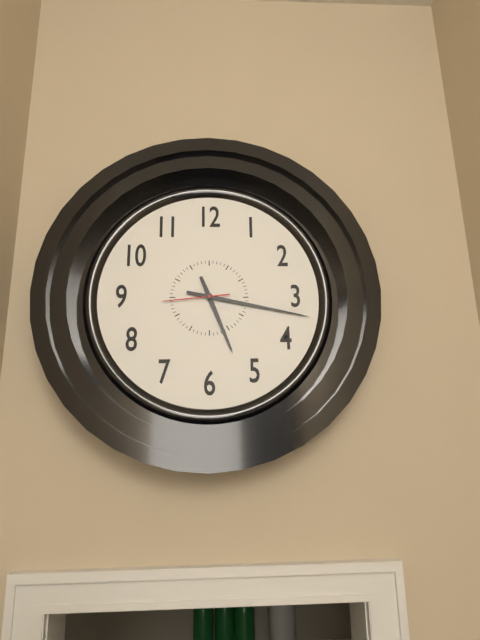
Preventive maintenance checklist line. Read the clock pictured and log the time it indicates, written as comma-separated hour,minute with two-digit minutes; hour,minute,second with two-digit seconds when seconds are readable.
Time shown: 5,17,44
